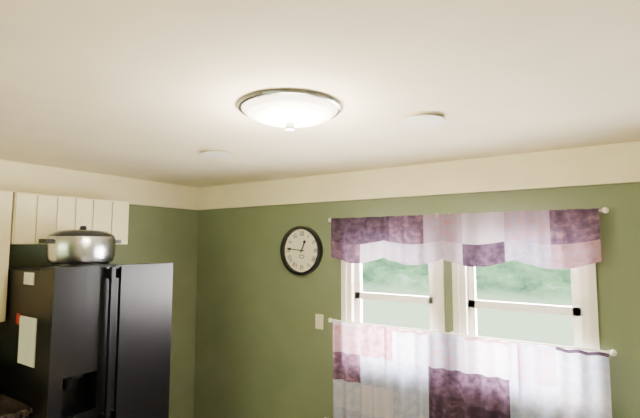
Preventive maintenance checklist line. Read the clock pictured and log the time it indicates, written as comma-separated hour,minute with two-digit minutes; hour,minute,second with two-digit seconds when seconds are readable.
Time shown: 12,46
